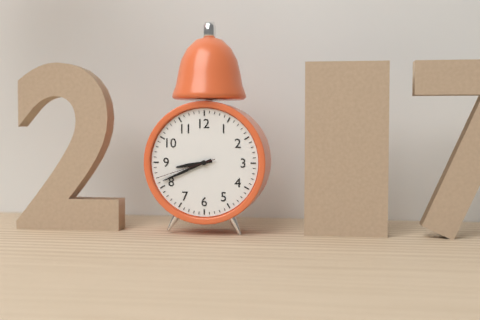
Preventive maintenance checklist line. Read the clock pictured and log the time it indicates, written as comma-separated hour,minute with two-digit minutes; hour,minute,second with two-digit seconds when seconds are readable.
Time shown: 8,41,42
